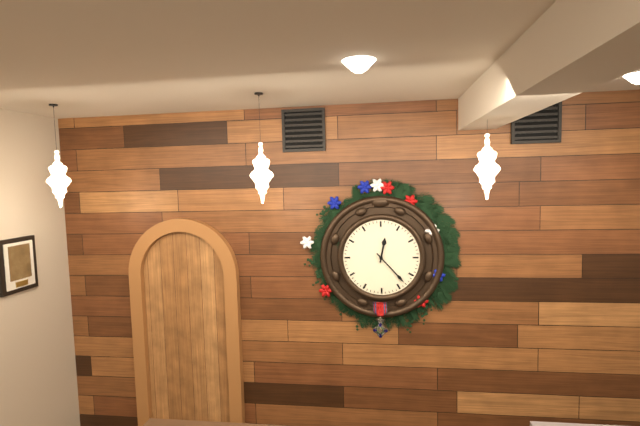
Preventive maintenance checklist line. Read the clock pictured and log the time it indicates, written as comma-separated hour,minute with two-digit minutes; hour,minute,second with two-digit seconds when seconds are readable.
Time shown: 12,23
